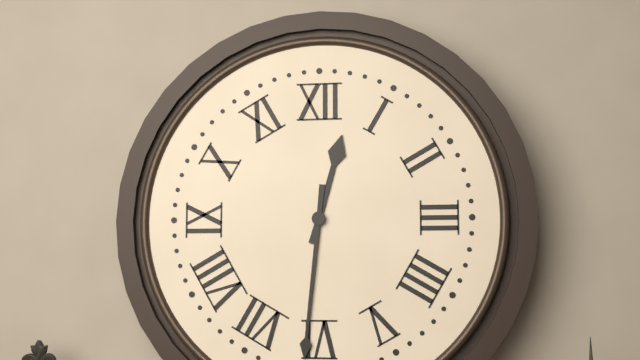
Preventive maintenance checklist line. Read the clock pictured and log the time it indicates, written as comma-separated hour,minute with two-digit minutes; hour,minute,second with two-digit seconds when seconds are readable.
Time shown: 12,31
